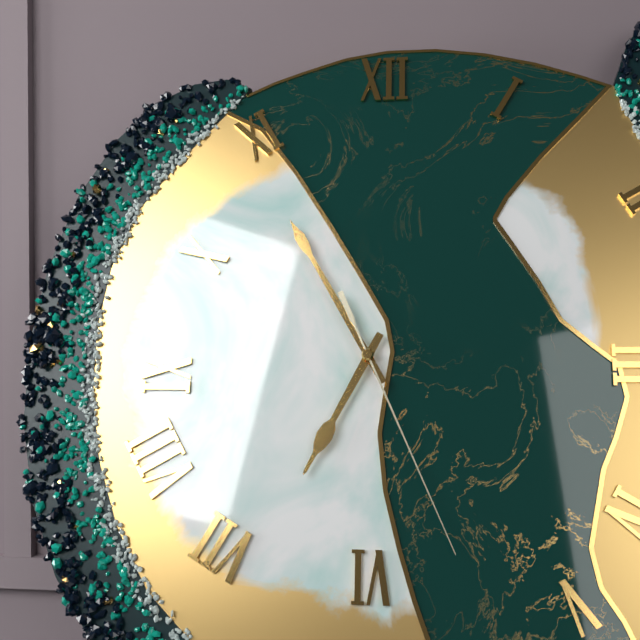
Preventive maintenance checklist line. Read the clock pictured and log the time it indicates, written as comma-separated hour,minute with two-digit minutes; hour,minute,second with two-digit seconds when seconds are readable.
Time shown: 6,55,26
